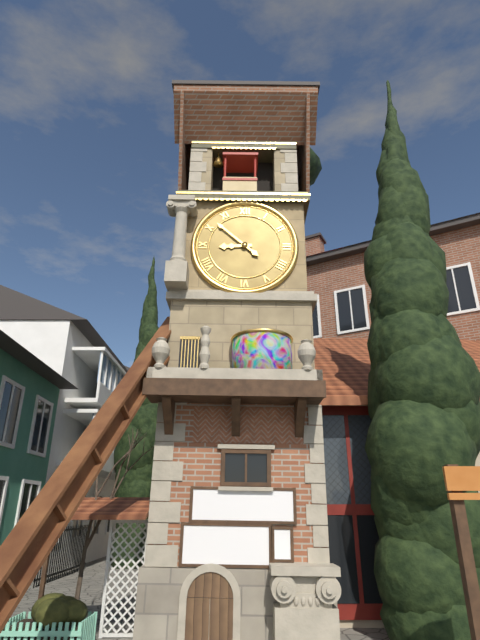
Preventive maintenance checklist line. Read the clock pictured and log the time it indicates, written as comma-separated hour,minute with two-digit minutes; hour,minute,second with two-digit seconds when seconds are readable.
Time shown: 8,52
